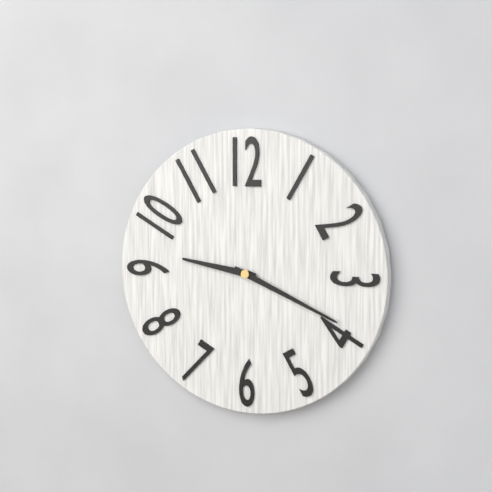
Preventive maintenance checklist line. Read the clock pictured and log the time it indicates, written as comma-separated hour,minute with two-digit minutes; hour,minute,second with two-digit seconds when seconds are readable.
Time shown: 9,19
